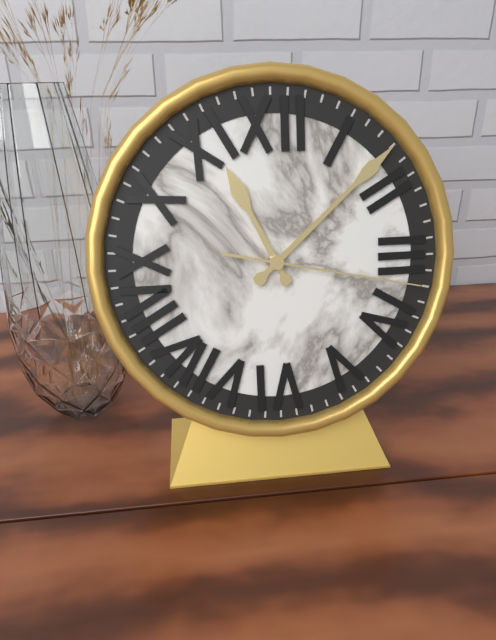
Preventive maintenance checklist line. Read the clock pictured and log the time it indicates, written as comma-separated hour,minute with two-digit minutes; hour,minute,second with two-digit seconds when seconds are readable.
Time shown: 11,08,17
